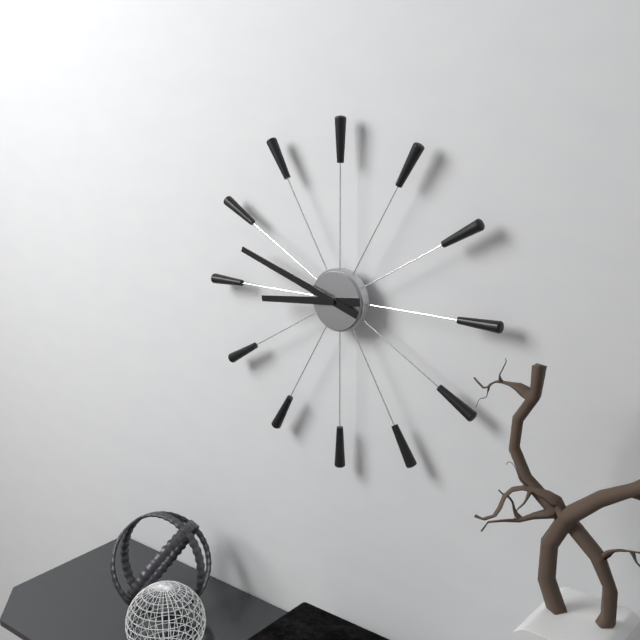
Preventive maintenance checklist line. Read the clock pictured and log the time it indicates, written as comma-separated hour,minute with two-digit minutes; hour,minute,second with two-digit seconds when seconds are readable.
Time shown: 8,48
